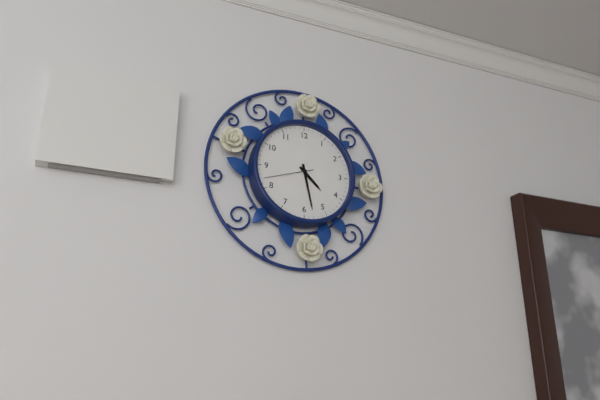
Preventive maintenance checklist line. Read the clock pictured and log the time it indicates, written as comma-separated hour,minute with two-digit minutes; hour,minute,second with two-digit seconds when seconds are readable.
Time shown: 4,28,42
